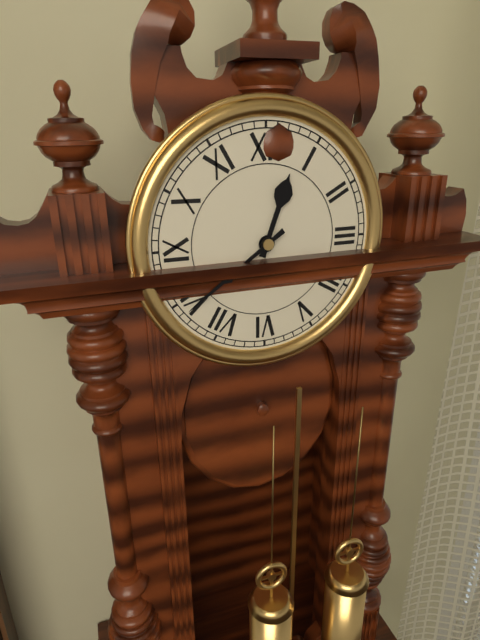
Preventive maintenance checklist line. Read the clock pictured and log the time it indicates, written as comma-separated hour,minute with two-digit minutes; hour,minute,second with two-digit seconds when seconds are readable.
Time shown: 12,39
